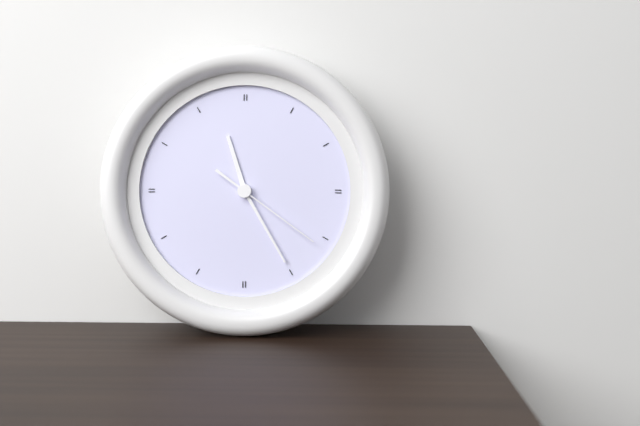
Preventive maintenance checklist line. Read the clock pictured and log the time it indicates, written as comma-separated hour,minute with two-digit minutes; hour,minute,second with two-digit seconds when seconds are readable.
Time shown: 11,25,21
